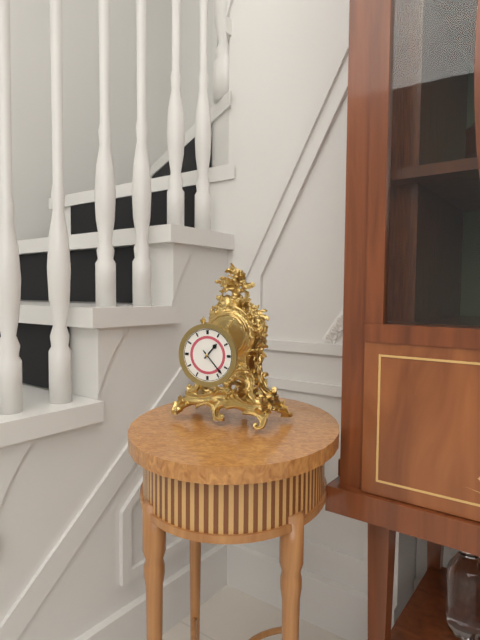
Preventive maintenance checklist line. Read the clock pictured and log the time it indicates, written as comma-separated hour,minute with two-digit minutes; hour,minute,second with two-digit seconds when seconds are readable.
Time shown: 1,23
